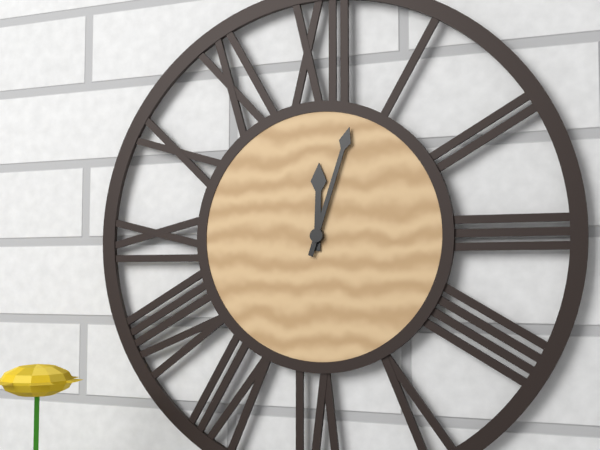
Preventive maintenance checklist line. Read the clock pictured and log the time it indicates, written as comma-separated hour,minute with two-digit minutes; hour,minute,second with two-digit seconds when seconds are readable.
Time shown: 12,03
